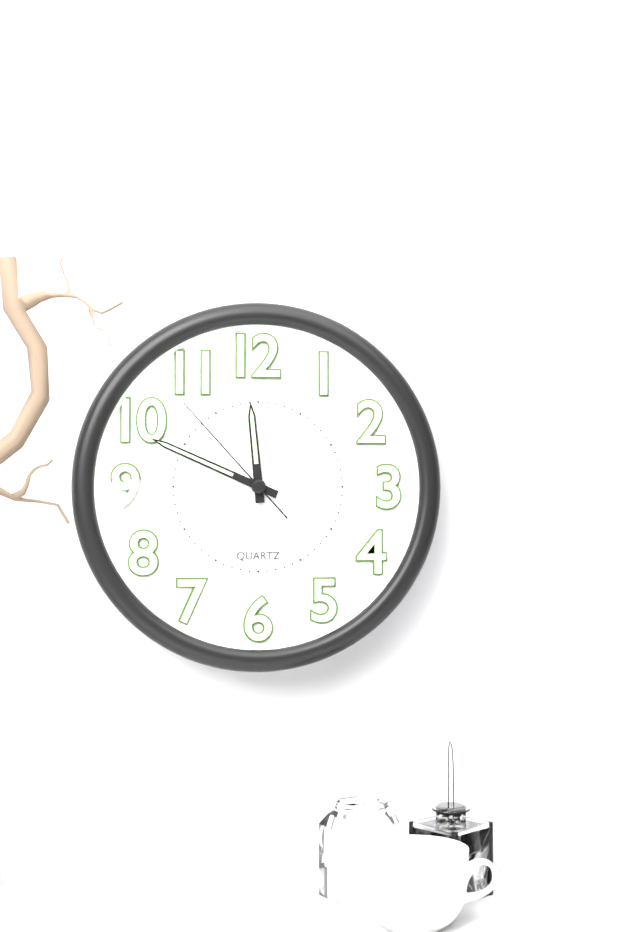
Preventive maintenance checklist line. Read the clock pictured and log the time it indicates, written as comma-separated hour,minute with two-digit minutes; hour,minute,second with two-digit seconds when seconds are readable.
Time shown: 11,49,53
